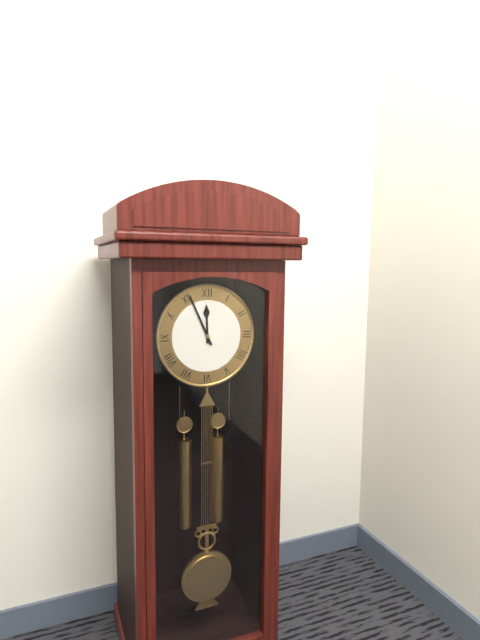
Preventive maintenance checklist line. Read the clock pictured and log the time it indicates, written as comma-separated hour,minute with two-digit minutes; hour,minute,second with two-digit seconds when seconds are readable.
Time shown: 11,56
